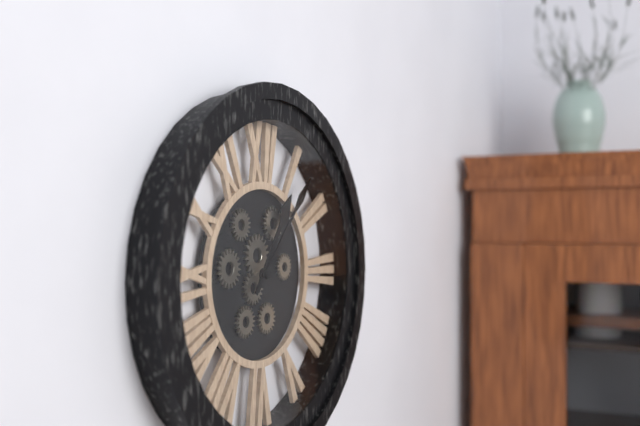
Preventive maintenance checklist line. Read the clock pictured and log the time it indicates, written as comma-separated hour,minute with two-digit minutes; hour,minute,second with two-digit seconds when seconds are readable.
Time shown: 1,07
